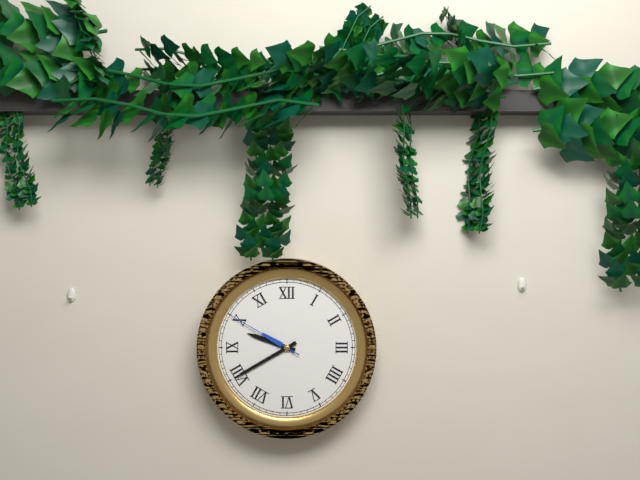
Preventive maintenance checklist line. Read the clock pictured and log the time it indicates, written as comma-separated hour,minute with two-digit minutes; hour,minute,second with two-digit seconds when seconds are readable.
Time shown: 9,40,50
